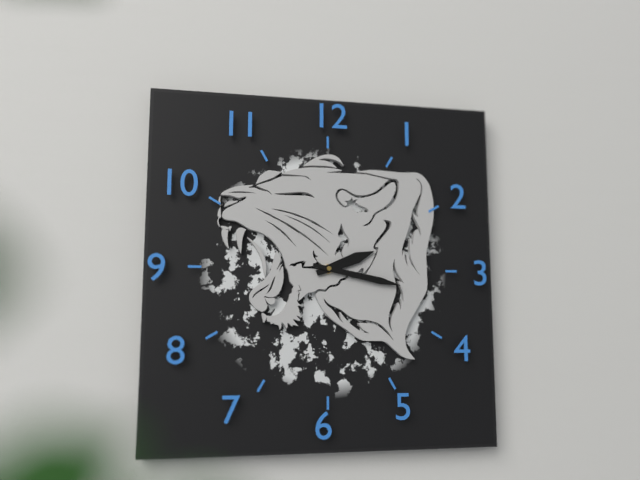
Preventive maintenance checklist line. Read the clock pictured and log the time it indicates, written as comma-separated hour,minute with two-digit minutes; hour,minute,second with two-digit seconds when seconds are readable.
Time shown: 2,17
